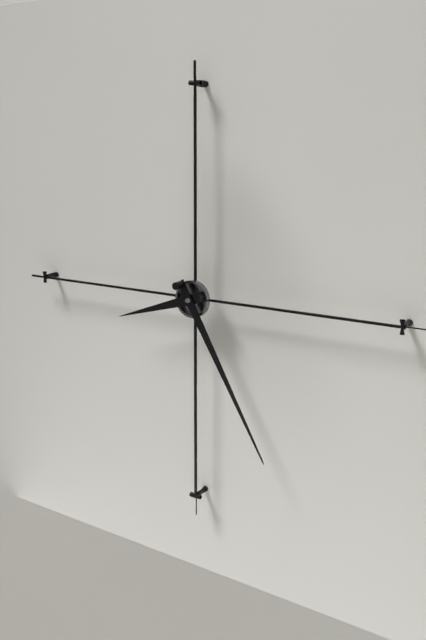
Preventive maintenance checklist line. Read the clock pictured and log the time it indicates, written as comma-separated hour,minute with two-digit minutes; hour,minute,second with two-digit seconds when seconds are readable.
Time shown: 8,25
